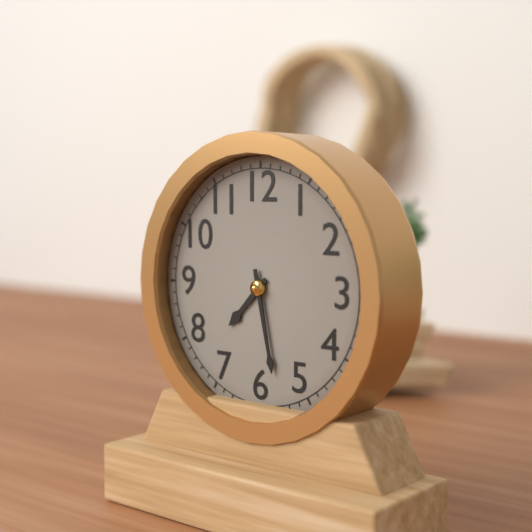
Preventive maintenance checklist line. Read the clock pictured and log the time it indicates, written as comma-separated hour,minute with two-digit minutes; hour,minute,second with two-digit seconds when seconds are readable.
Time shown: 7,28
